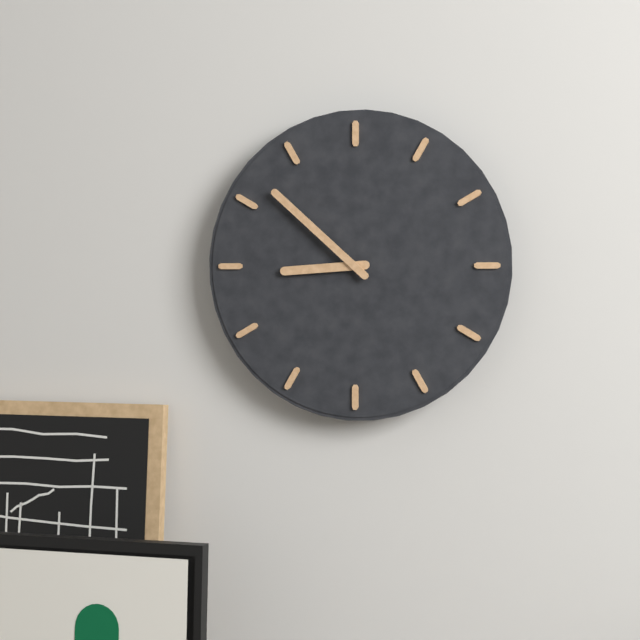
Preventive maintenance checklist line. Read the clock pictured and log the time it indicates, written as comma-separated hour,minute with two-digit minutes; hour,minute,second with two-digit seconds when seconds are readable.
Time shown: 8,52
